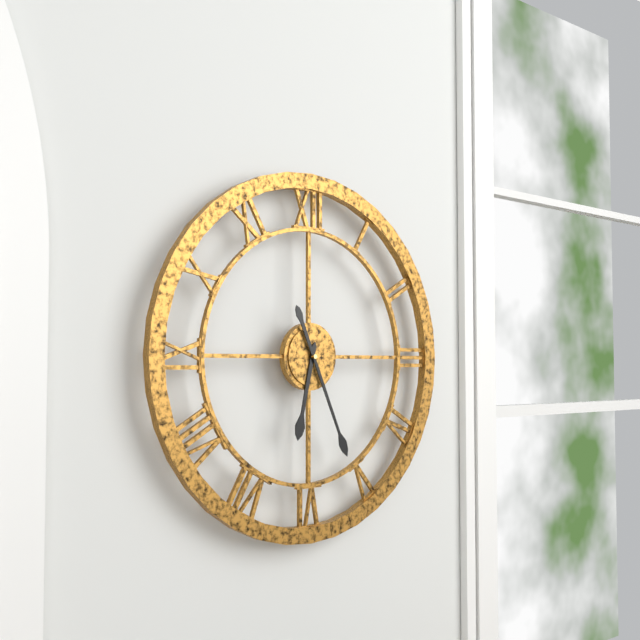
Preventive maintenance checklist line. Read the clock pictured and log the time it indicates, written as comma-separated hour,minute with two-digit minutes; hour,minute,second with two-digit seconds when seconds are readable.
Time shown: 6,26
